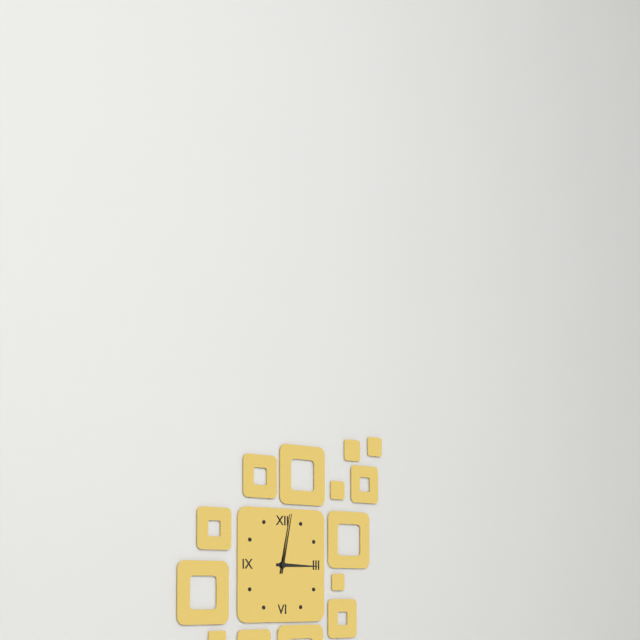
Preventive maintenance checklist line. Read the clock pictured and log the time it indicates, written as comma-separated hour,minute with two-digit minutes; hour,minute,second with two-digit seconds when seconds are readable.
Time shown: 3,02
